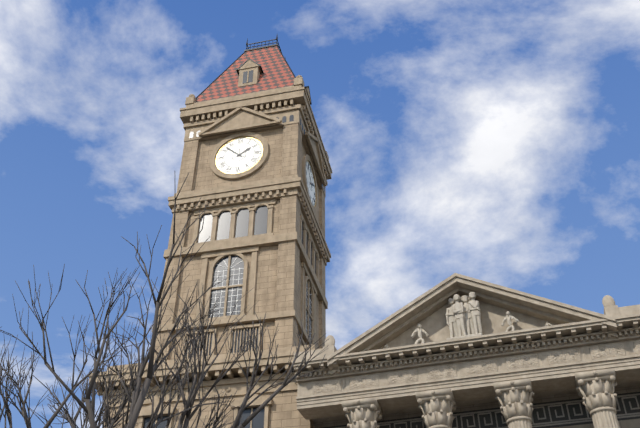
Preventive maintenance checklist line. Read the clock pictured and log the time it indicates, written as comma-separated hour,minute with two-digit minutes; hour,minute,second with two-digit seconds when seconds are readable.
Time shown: 1,52
